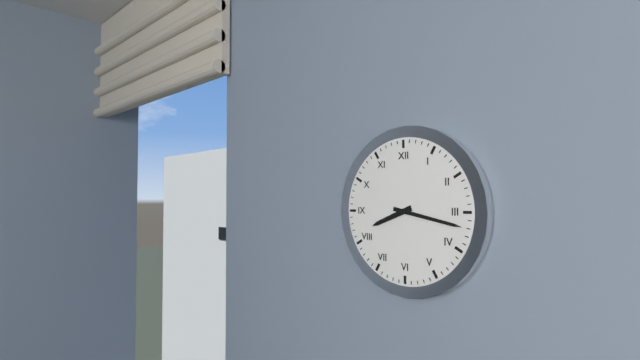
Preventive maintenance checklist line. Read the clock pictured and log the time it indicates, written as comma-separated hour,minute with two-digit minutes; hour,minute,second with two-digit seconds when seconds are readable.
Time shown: 8,17
